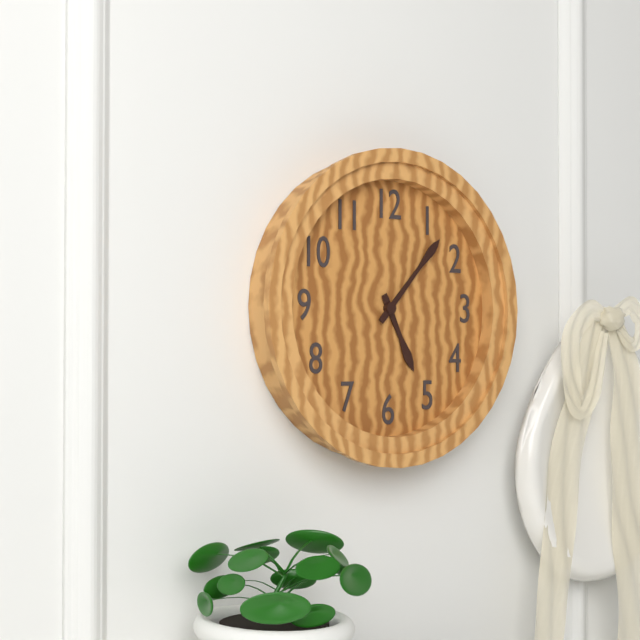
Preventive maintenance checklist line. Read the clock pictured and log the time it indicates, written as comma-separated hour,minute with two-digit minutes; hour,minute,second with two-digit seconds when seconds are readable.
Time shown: 5,07
